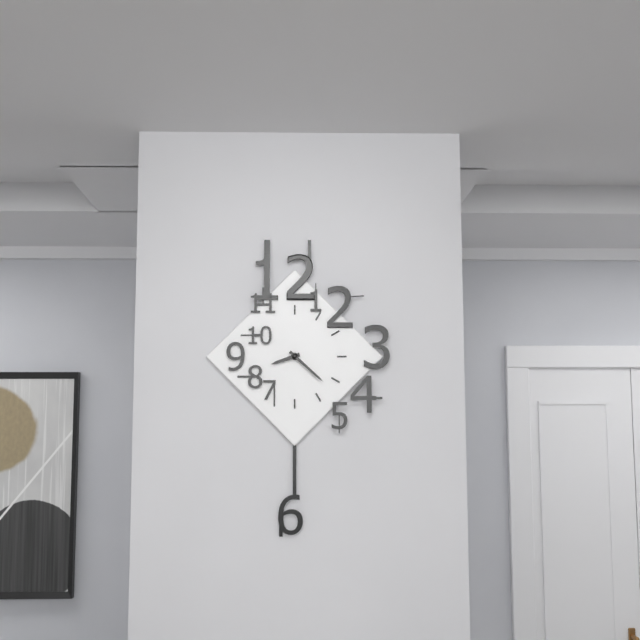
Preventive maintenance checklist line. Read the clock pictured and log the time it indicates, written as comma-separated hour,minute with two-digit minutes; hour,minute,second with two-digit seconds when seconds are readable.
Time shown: 8,22
